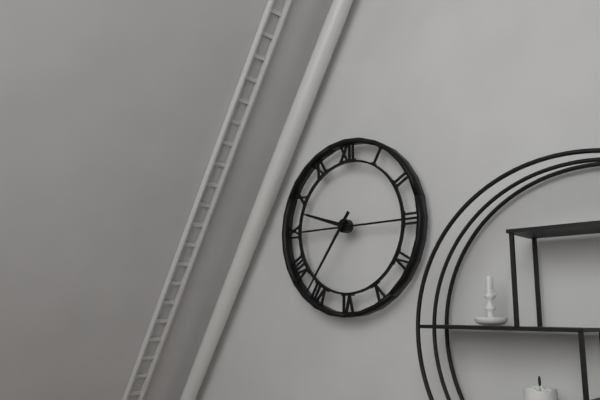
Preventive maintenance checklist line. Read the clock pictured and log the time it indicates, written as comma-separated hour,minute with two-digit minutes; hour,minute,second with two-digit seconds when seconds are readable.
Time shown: 9,36
